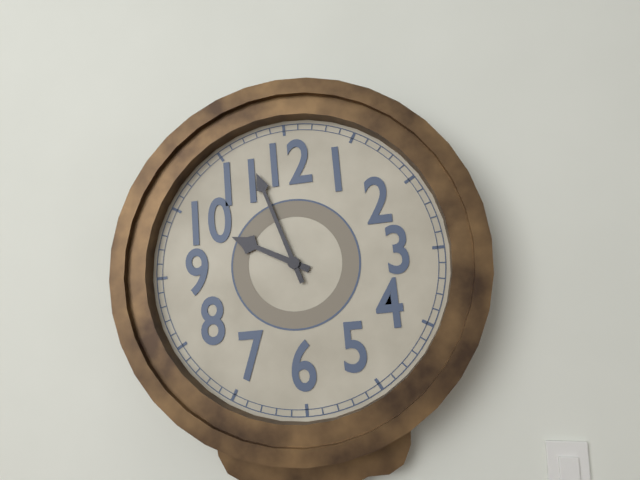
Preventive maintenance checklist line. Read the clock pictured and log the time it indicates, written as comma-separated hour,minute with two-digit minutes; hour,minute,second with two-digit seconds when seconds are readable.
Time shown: 9,57
